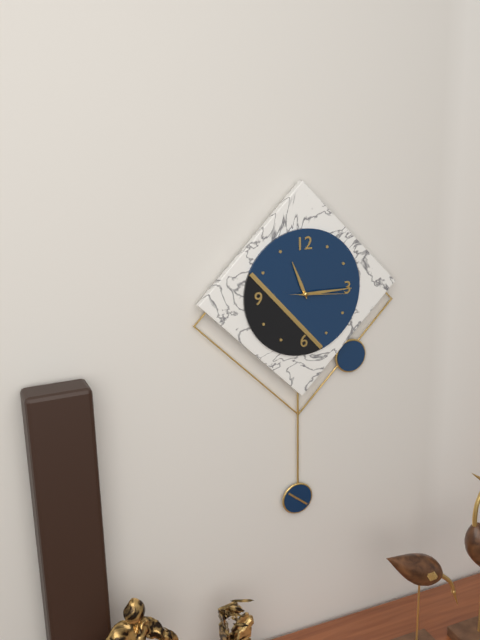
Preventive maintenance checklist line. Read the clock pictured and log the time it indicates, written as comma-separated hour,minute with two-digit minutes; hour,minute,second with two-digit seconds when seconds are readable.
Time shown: 11,15,16
